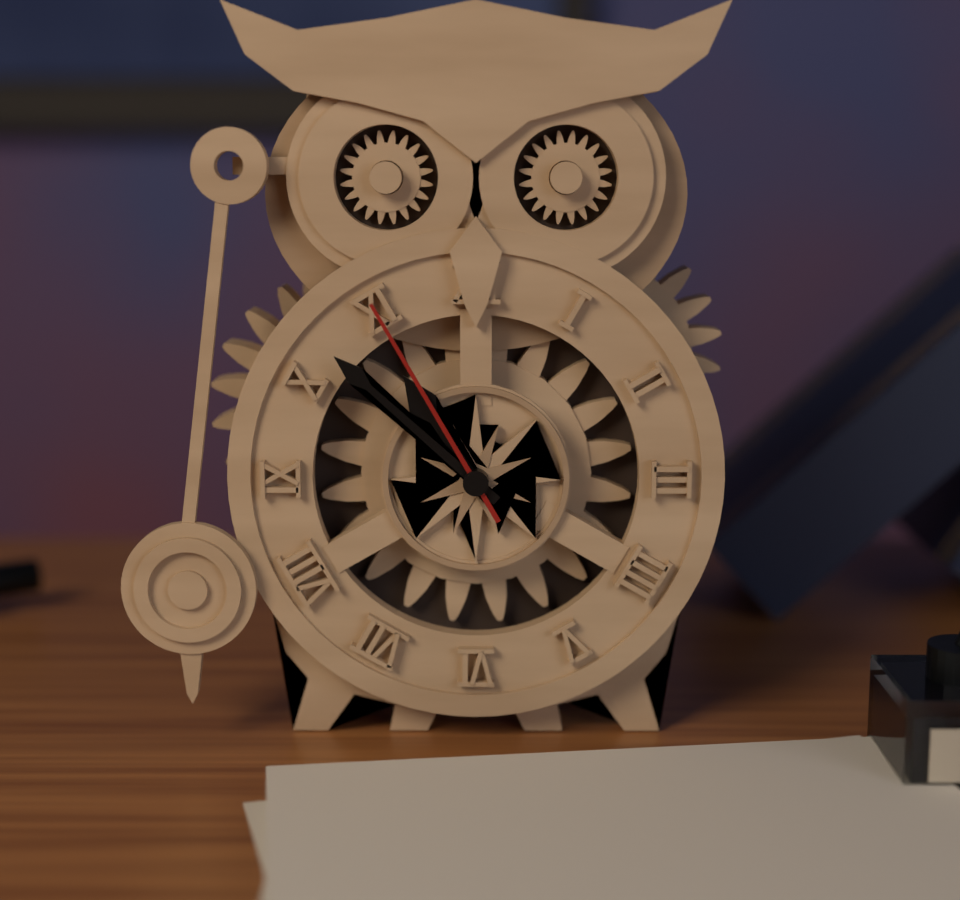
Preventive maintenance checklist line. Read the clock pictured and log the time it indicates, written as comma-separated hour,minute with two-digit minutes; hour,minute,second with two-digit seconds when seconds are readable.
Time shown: 10,52,55
